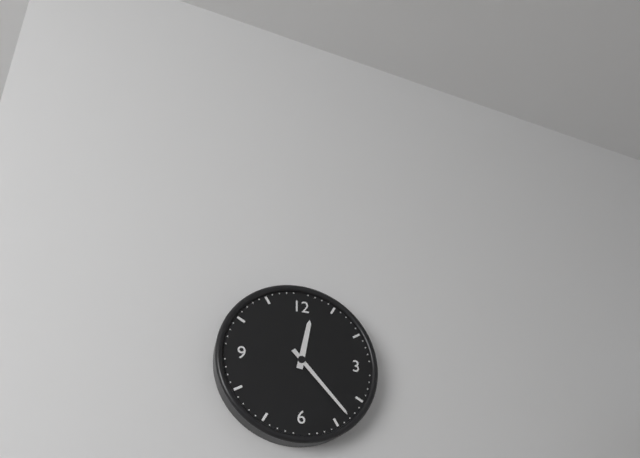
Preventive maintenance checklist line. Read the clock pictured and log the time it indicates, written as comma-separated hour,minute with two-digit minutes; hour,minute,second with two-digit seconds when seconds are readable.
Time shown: 12,23
